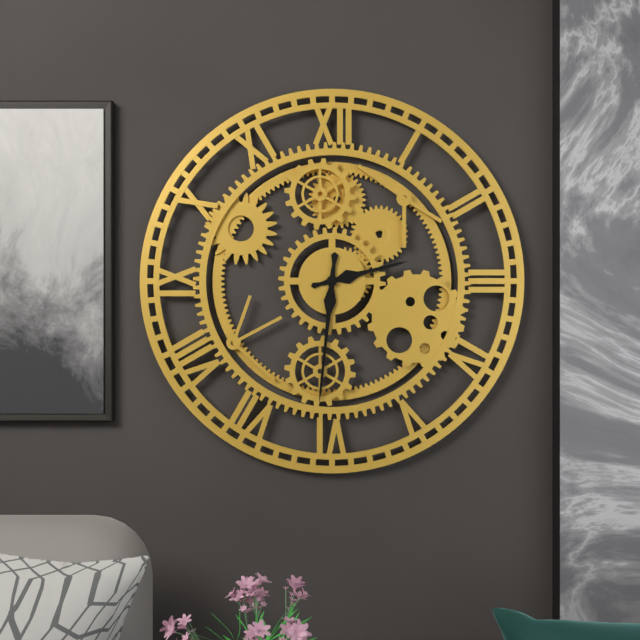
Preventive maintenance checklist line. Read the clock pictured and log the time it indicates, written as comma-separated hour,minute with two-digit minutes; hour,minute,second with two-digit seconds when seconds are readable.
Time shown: 2,31
